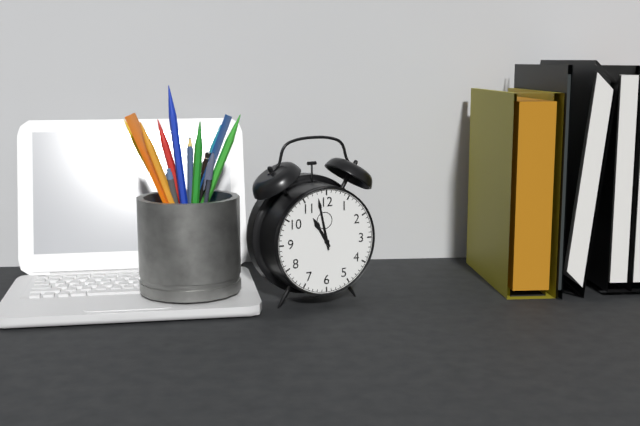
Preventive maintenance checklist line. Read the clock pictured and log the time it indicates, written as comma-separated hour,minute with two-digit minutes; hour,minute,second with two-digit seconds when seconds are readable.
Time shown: 10,58
